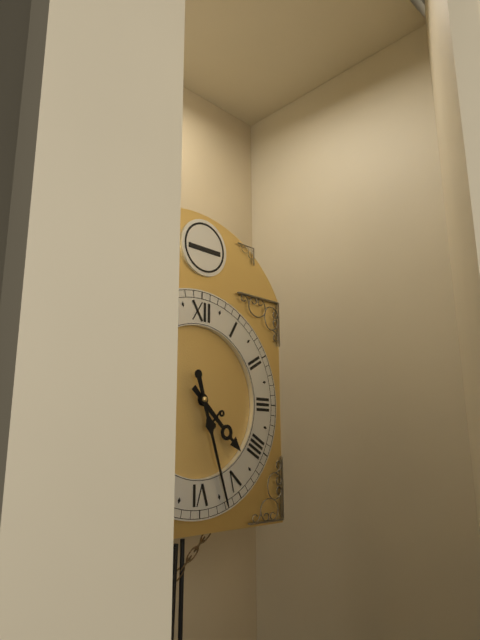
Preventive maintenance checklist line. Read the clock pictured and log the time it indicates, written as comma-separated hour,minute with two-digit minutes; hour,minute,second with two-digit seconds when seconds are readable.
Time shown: 4,27
